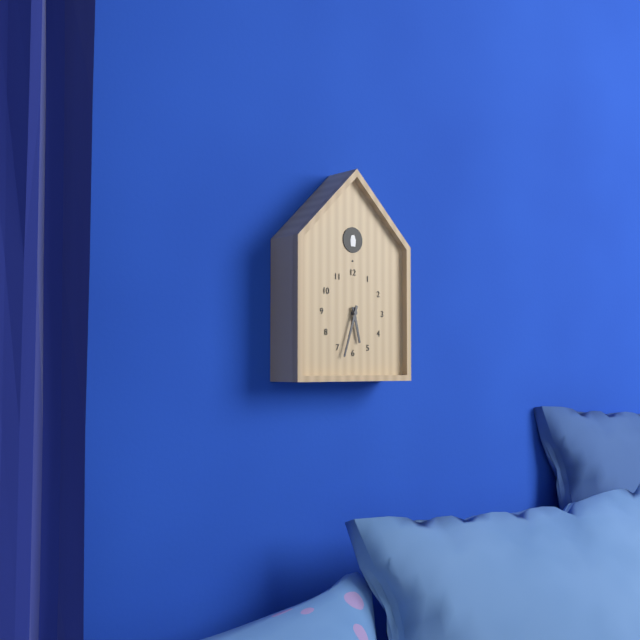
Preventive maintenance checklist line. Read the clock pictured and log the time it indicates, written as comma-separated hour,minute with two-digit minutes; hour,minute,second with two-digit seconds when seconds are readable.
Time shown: 5,33
